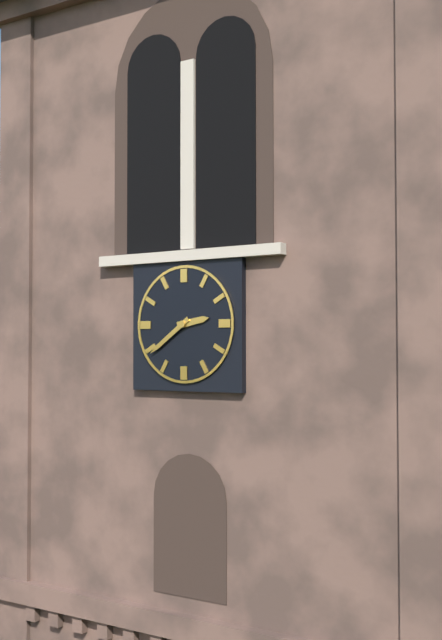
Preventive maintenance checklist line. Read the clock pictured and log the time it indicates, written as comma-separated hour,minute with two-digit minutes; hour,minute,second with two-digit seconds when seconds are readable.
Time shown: 2,39
